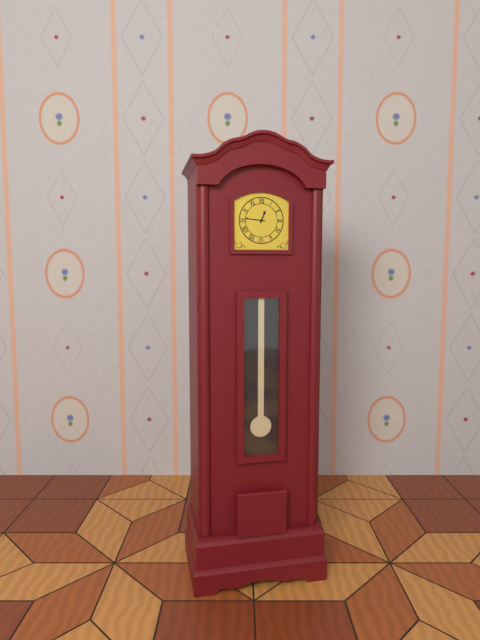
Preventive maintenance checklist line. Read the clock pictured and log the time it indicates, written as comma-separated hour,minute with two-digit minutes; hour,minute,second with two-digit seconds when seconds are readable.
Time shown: 12,46
